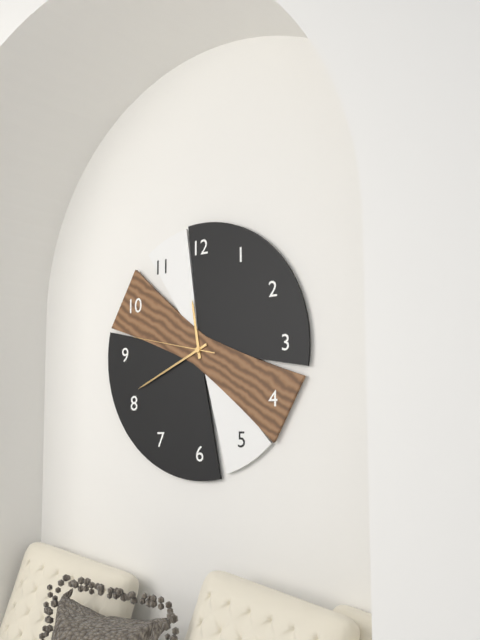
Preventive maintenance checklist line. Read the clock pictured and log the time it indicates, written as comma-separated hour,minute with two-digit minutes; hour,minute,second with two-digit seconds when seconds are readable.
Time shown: 11,41,47
